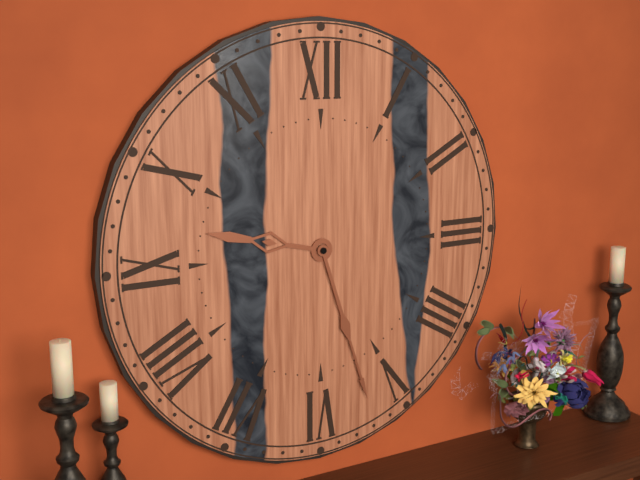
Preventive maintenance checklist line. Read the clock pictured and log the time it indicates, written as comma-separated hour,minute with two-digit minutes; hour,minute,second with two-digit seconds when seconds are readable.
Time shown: 9,27
